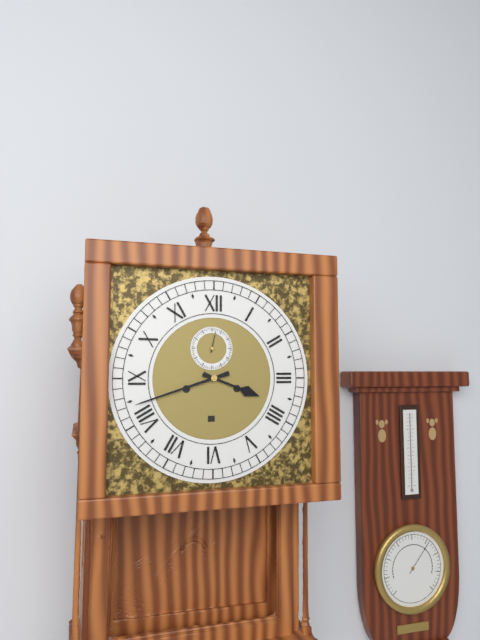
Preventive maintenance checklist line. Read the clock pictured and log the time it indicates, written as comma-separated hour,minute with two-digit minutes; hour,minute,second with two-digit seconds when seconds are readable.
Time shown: 3,42
